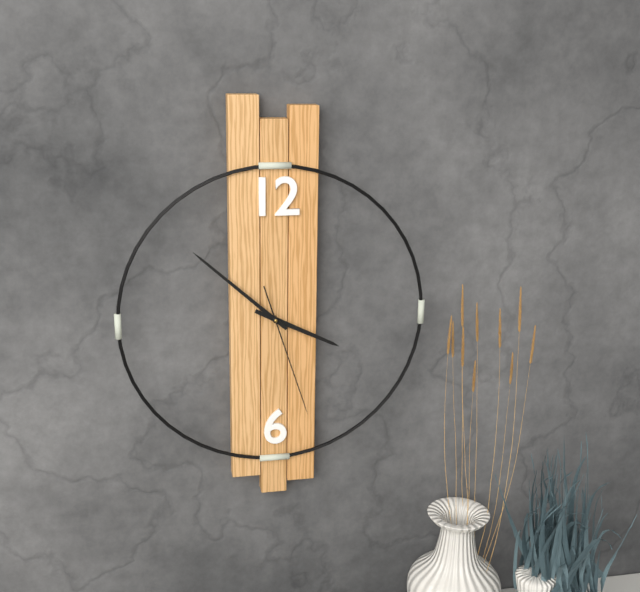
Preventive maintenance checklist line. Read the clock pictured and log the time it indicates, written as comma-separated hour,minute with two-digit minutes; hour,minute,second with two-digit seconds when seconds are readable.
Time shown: 3,52,27
